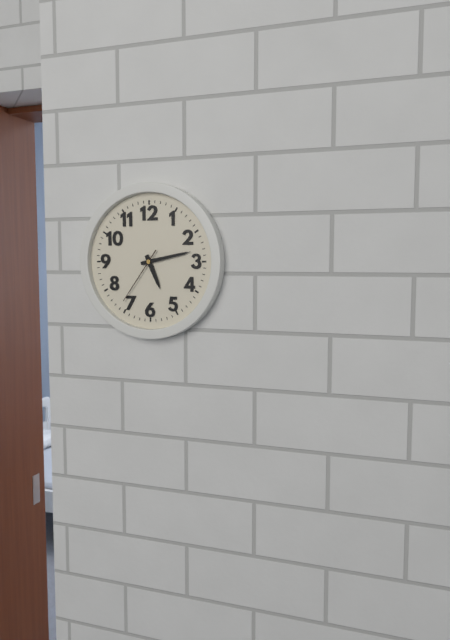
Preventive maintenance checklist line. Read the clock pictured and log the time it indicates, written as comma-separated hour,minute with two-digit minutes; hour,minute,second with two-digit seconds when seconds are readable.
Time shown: 5,13,36
